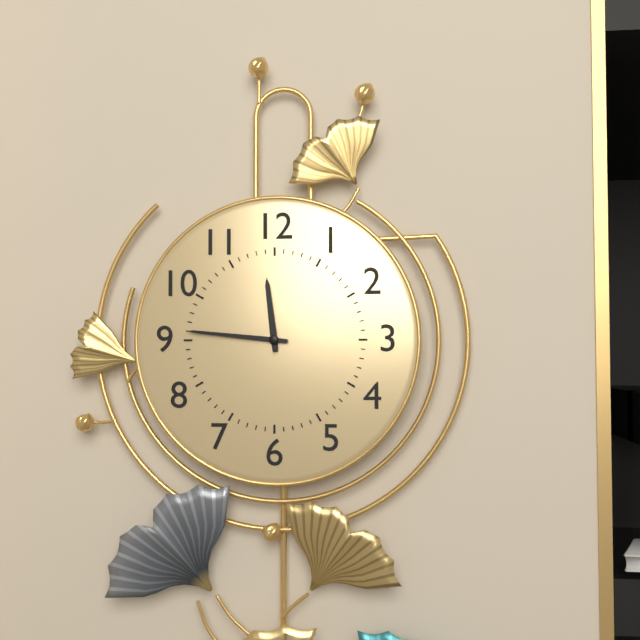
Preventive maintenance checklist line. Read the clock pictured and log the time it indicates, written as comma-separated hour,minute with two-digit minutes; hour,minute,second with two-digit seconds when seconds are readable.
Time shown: 11,46
